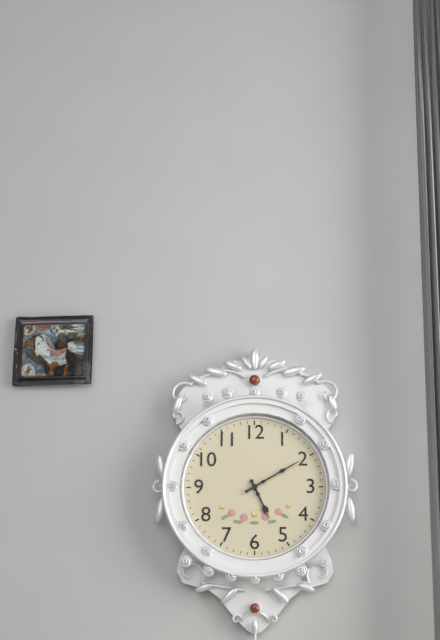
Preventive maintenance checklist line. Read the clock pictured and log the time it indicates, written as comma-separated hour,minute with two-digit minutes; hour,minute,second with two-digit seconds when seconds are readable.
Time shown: 5,10
